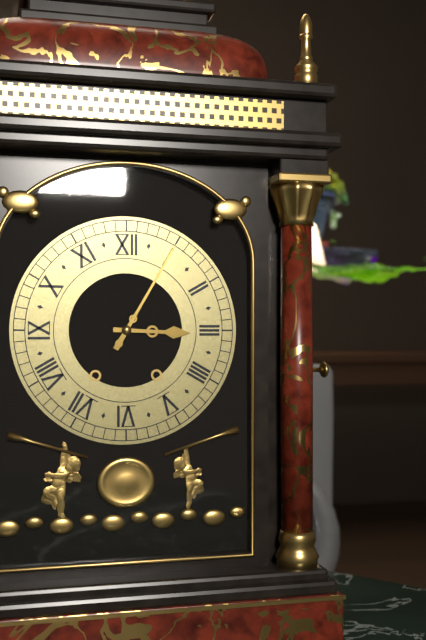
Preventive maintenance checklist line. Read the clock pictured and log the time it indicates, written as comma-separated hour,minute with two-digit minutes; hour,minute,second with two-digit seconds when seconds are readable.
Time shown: 3,05
